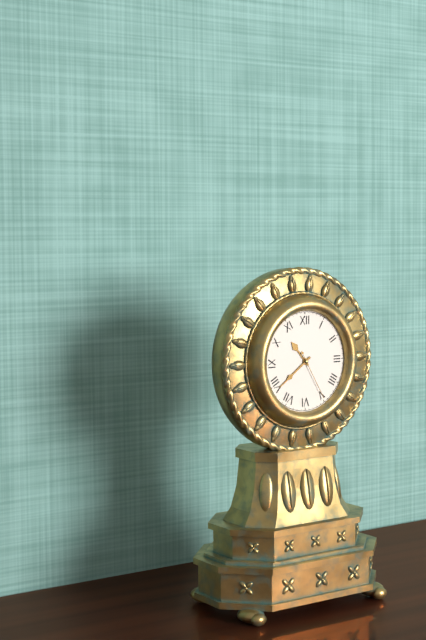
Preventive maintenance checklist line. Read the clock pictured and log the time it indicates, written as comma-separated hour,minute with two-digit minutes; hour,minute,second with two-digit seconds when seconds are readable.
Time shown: 10,39,25
